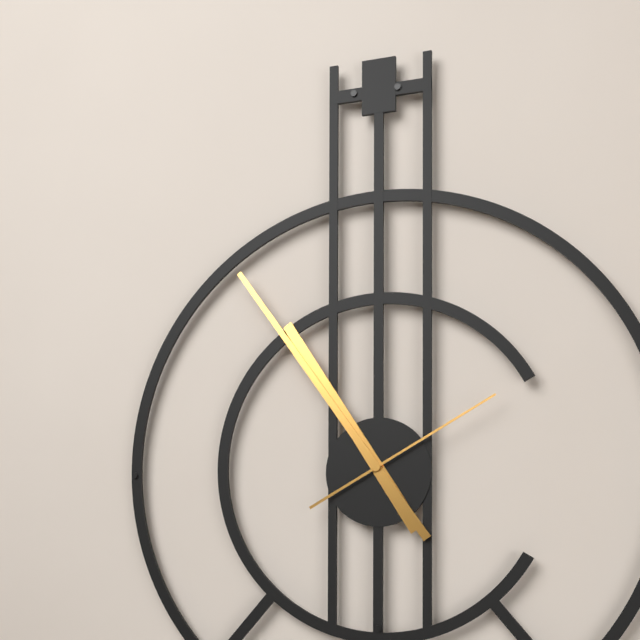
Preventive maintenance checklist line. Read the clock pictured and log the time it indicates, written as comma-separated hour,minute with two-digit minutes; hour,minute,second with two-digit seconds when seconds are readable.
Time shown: 10,54,10
